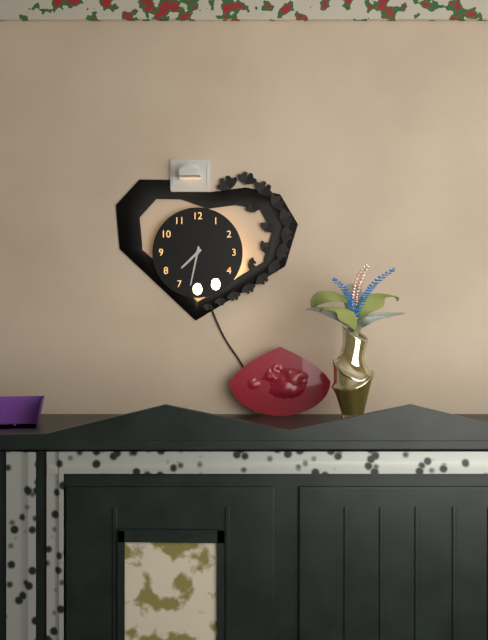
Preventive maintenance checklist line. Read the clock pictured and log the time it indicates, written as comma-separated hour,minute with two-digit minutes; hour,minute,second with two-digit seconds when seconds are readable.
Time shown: 7,32
